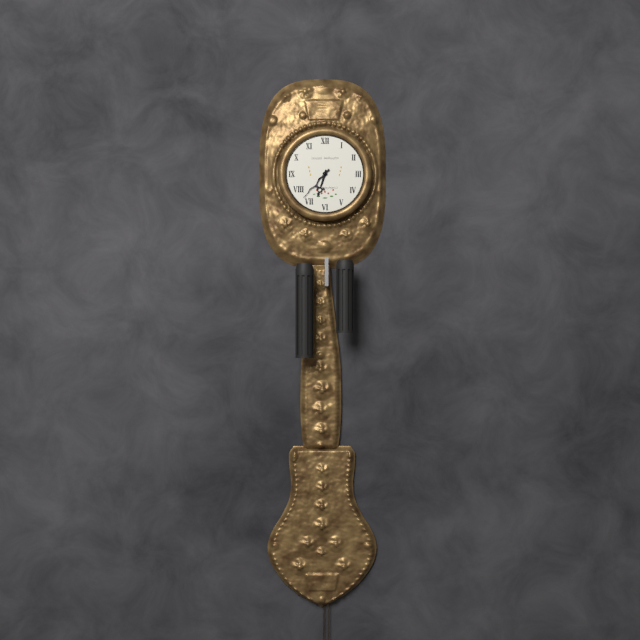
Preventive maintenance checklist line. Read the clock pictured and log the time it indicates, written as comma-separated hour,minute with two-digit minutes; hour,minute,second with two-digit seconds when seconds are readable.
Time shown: 6,37
